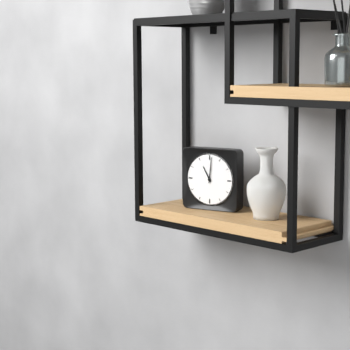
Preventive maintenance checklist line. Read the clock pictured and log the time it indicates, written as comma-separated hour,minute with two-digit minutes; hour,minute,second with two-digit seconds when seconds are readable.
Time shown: 11,01
